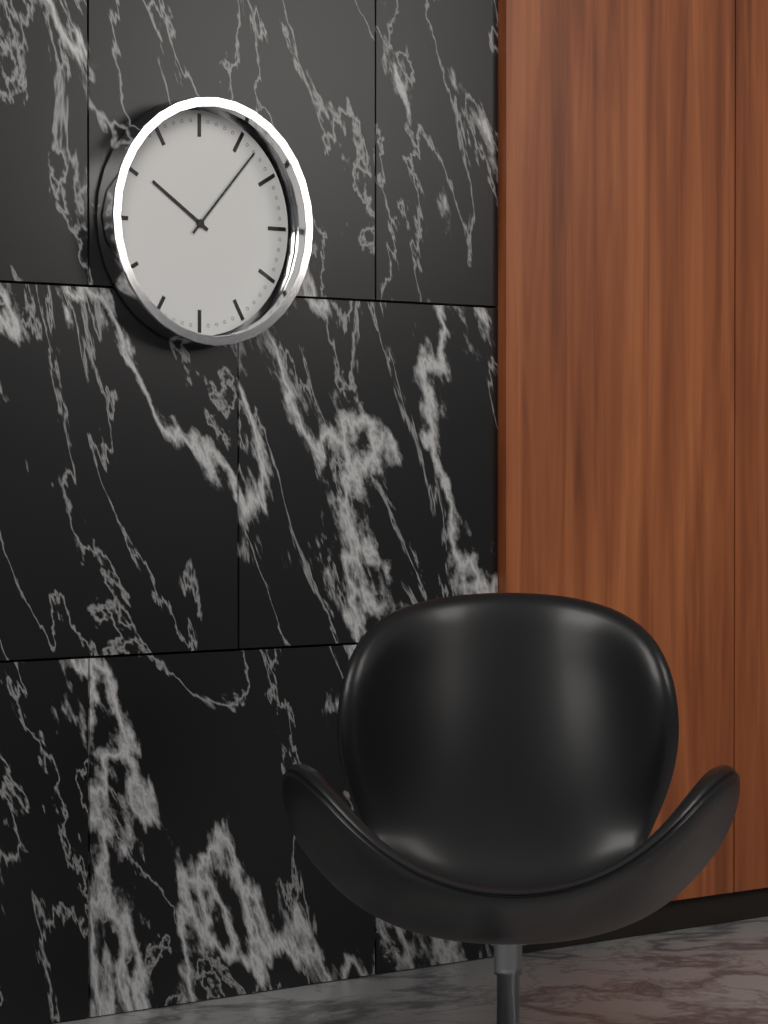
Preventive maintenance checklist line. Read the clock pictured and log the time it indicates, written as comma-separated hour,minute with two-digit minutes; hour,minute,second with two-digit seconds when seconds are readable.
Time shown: 10,07
